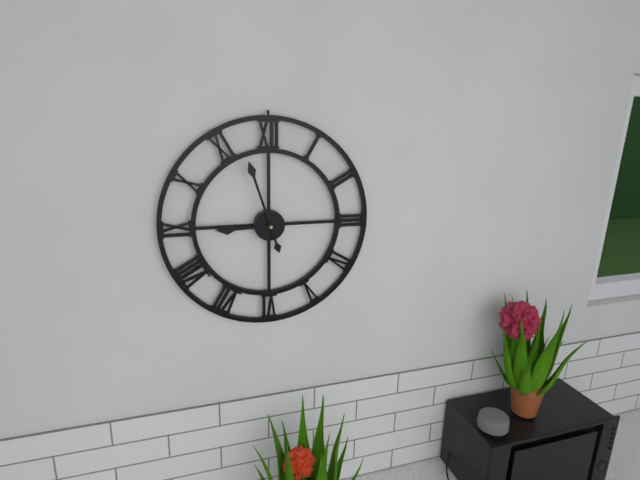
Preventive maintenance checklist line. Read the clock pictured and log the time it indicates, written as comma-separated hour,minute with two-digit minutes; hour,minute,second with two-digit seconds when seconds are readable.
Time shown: 8,57
